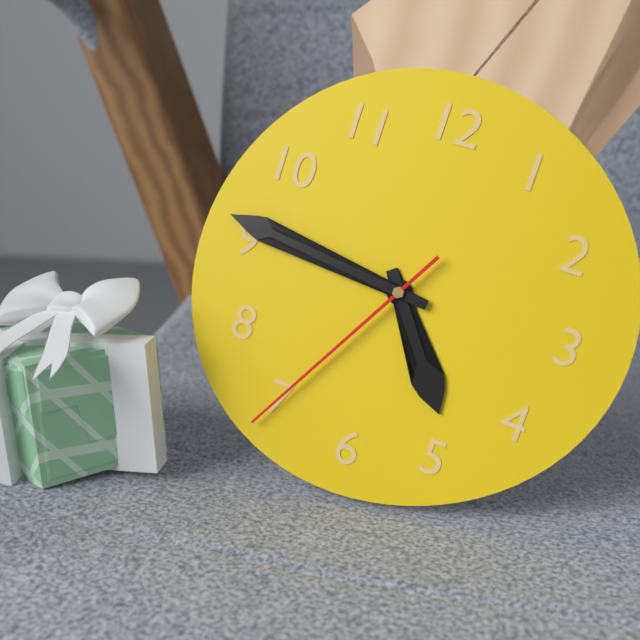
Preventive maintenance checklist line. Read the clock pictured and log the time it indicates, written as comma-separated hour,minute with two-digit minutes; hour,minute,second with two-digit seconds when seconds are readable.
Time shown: 4,46,35
